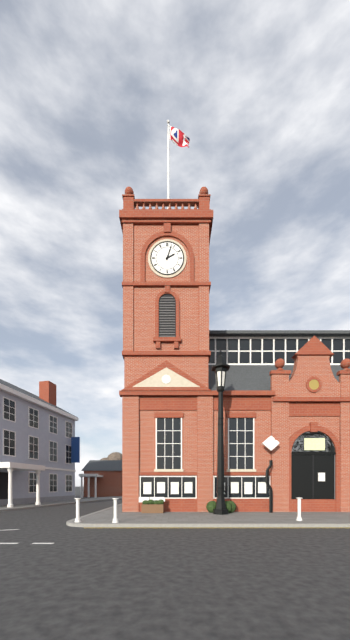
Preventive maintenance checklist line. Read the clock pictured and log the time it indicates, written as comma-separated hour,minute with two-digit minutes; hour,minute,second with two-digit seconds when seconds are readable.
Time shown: 2,03
